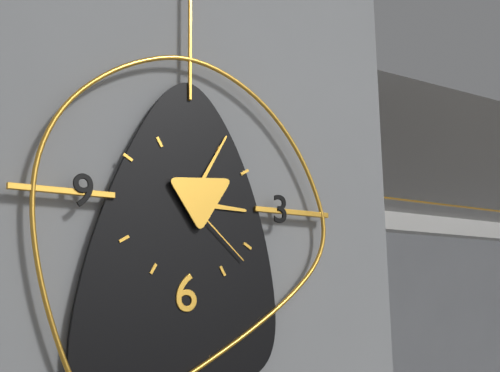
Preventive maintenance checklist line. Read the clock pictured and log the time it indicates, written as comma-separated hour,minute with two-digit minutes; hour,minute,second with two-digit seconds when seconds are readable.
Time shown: 3,05,22
